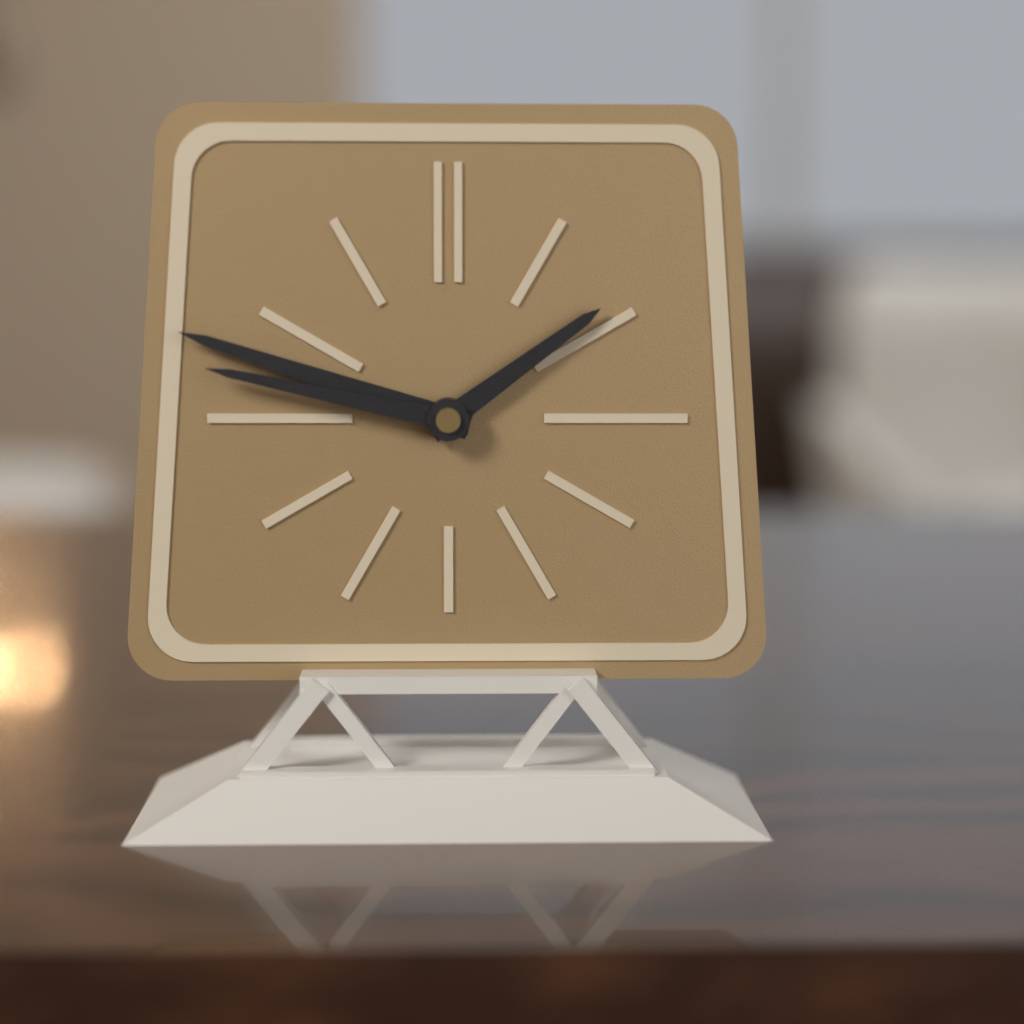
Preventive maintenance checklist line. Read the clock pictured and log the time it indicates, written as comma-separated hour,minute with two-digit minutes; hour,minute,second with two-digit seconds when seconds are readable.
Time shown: 1,48,47
